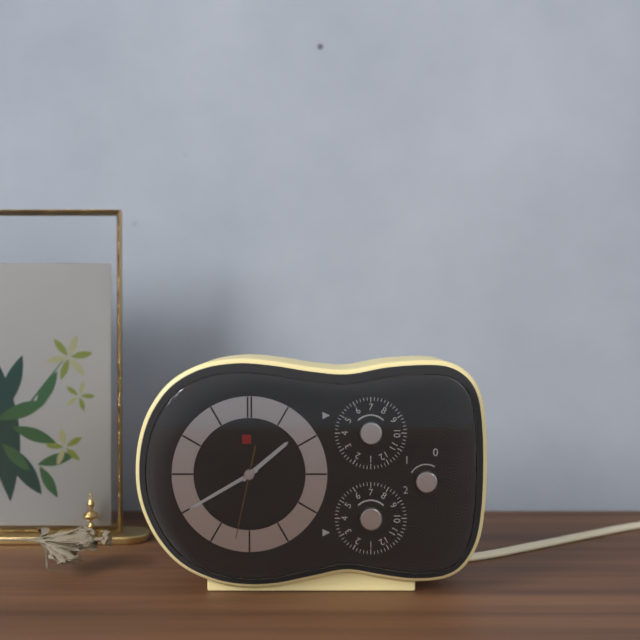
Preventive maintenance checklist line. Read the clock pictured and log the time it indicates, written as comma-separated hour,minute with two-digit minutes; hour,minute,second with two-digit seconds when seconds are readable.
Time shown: 1,40,32
